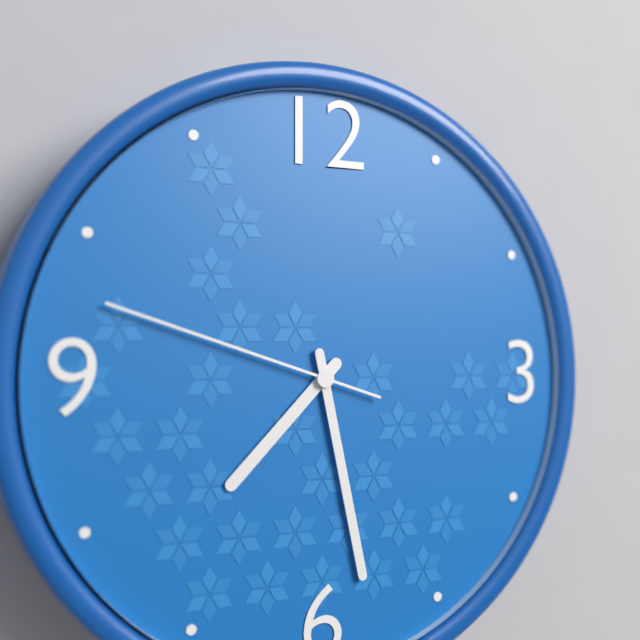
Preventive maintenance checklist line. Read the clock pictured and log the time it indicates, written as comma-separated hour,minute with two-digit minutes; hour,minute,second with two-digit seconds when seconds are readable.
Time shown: 7,28,48
